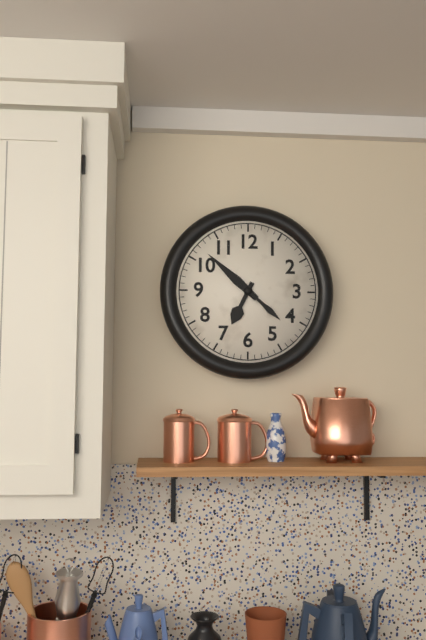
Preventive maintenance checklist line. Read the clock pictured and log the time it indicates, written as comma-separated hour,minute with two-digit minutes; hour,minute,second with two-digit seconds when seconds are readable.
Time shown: 6,52,22
